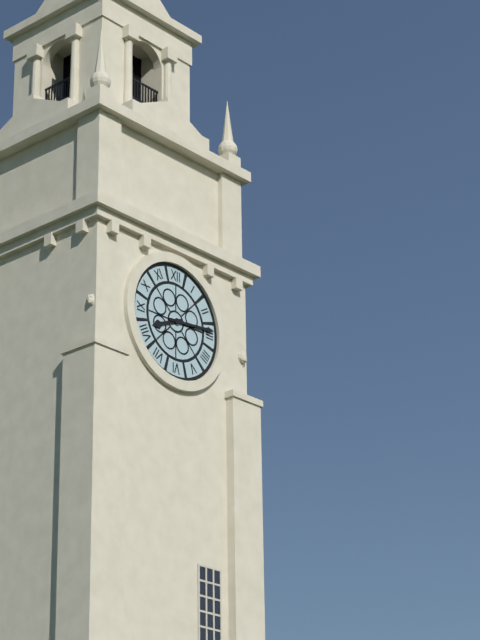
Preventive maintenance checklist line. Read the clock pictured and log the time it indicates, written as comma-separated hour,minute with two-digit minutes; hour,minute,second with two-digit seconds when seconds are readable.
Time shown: 8,14
